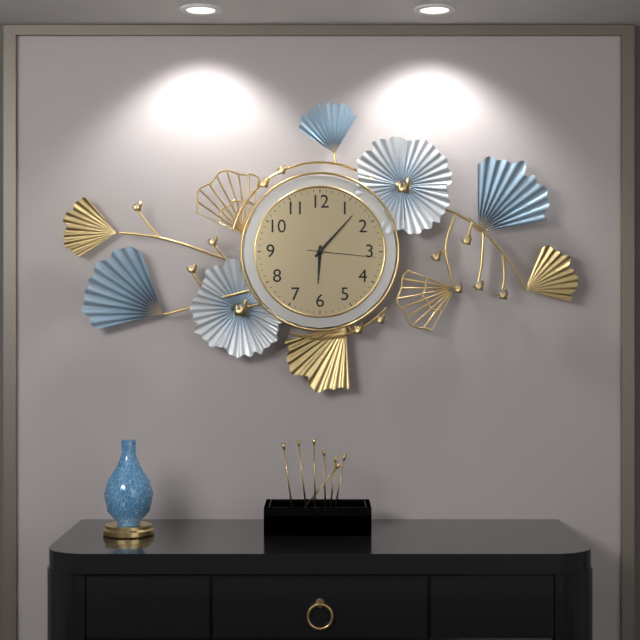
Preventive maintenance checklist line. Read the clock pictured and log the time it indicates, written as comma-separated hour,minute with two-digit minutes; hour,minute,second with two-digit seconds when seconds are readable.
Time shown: 6,07,16
